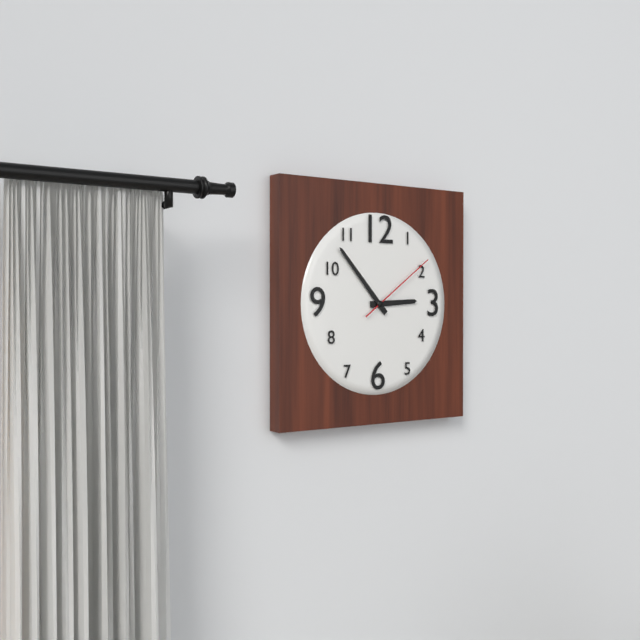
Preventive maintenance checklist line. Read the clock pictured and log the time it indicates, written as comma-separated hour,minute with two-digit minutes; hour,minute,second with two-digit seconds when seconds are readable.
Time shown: 2,53,09
